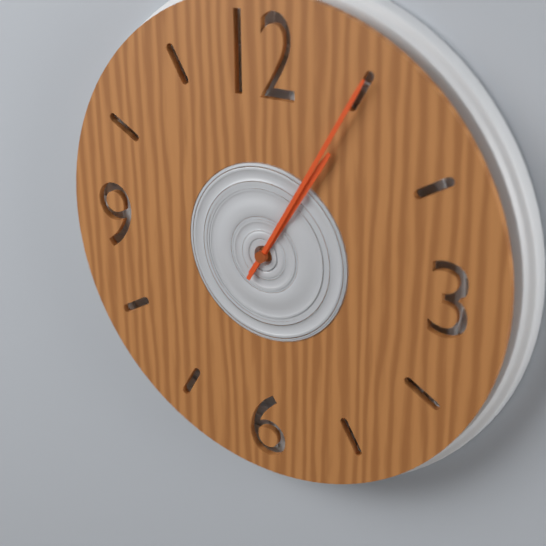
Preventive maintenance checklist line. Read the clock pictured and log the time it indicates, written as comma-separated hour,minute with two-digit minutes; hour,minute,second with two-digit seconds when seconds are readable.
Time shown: 1,05
